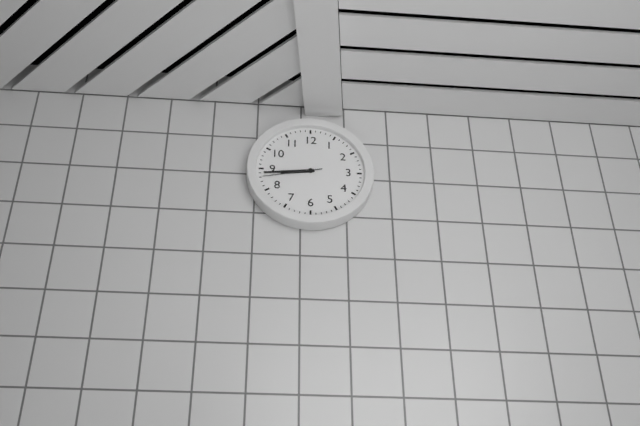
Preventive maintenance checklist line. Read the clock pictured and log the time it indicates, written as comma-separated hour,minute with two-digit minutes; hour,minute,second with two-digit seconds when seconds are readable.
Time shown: 8,44,43
